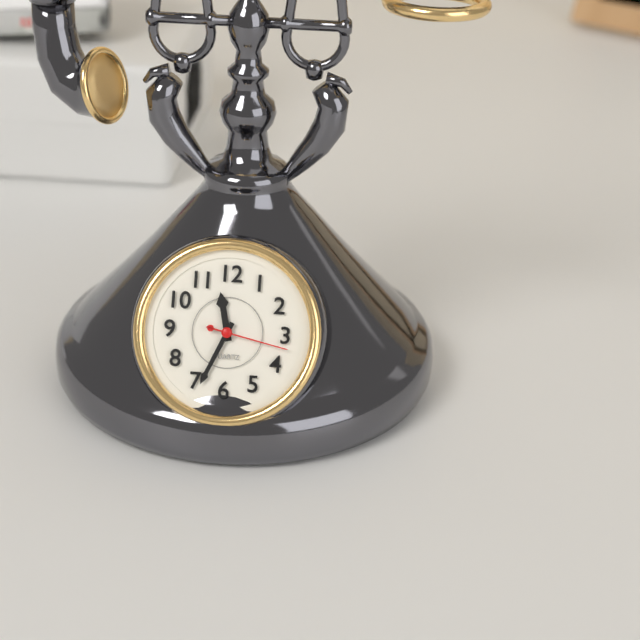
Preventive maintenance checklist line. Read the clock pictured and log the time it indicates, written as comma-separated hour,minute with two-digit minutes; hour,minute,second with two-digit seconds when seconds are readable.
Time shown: 11,34,17
